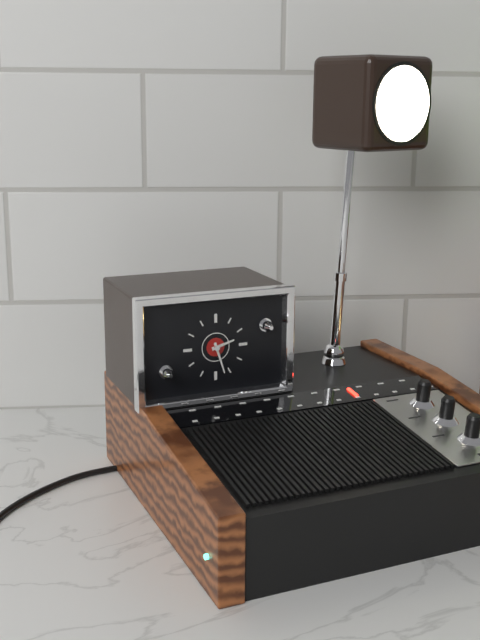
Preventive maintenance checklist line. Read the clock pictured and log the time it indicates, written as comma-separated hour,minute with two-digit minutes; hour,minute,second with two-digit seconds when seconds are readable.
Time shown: 2,27
